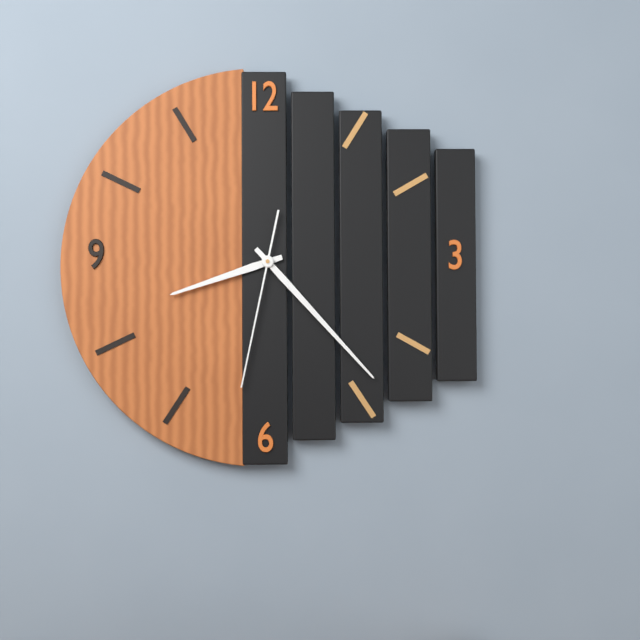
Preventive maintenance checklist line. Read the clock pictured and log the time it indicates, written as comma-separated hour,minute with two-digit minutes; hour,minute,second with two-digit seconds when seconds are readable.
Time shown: 8,23,32
